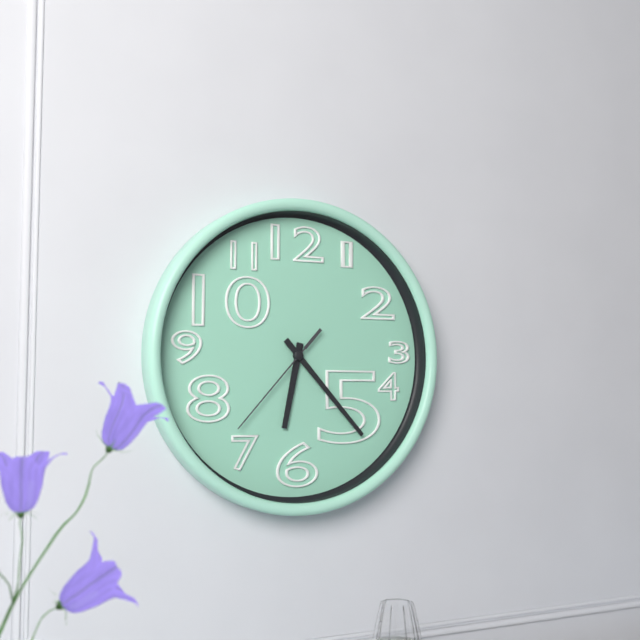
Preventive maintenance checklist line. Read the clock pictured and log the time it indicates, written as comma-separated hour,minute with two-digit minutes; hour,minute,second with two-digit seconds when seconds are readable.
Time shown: 6,23,37
